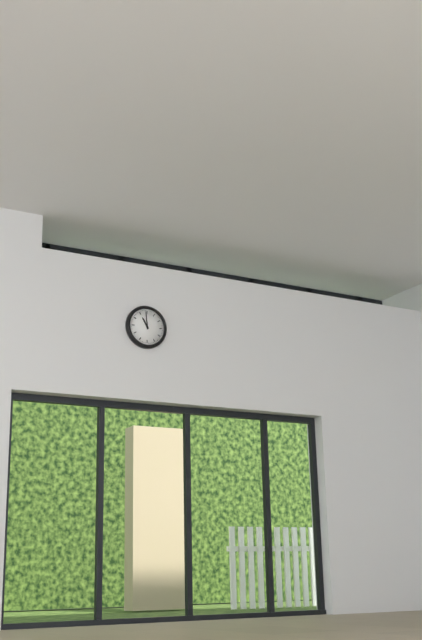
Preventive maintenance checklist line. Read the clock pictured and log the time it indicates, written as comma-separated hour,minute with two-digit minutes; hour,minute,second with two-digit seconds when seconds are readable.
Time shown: 10,59
